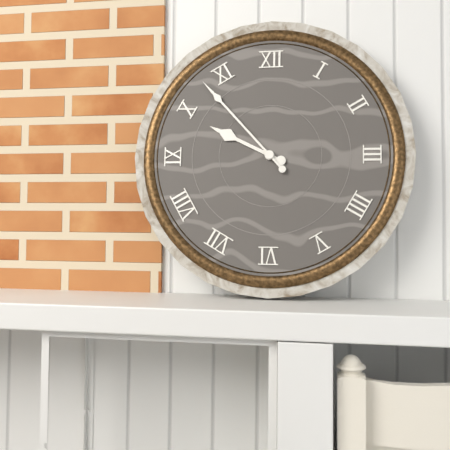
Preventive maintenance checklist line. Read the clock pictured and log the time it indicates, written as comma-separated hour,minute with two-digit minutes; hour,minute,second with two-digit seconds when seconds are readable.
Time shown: 9,53
